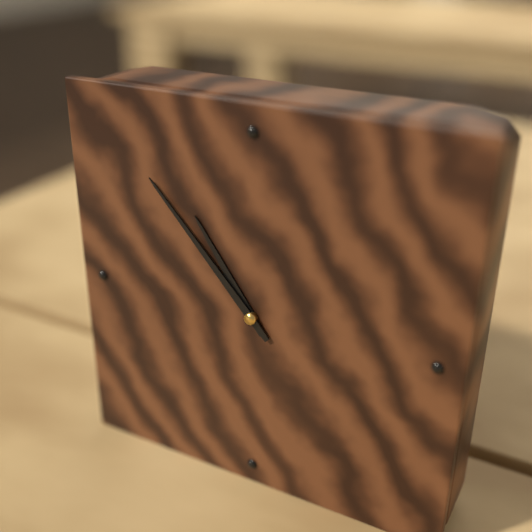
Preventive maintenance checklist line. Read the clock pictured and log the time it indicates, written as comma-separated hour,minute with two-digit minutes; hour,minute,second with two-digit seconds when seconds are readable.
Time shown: 10,53
